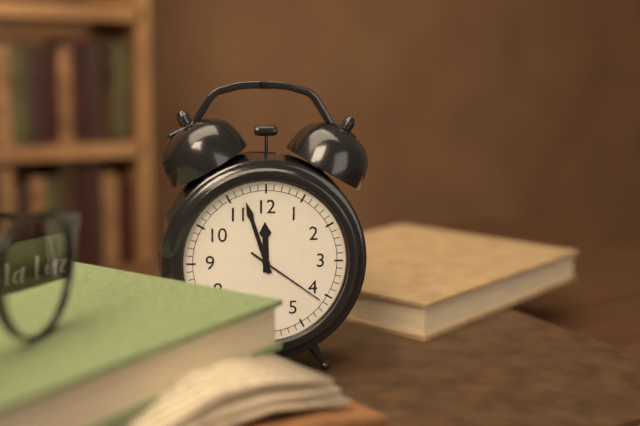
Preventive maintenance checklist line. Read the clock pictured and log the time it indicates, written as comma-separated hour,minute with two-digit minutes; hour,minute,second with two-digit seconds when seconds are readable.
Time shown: 11,57,21
